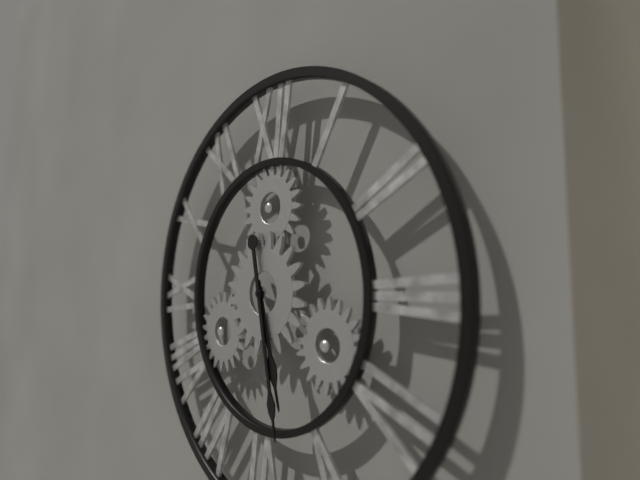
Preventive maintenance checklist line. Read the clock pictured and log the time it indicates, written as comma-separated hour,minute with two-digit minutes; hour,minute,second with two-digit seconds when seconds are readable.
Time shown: 5,28
